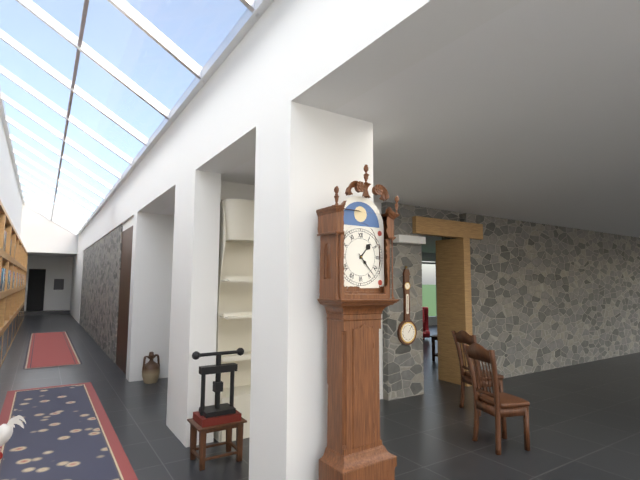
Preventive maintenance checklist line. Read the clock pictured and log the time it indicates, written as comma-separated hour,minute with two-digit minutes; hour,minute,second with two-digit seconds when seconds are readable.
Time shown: 1,23
